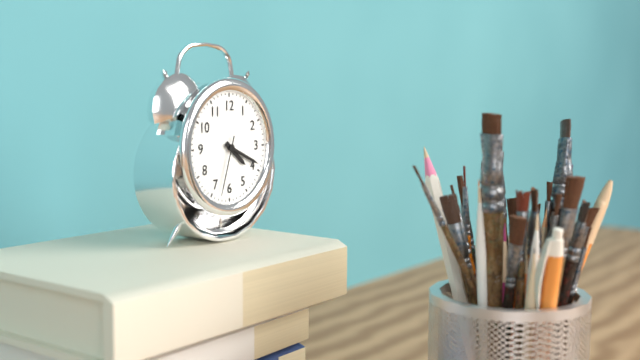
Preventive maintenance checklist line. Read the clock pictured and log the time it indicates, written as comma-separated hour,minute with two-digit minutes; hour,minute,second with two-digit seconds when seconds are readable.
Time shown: 4,19,33
